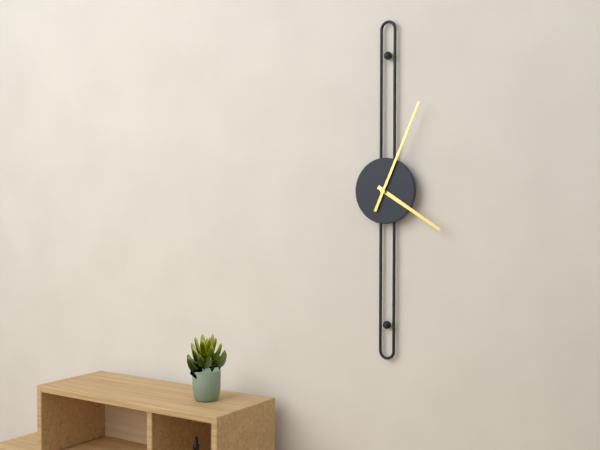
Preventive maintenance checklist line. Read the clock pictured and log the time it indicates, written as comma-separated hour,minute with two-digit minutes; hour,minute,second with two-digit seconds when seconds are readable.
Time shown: 4,04
